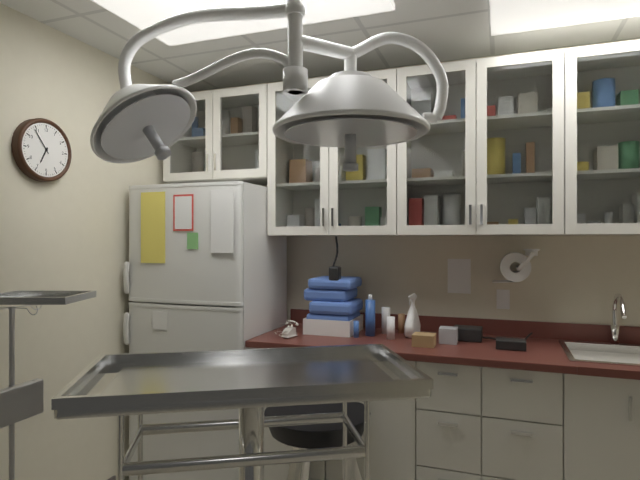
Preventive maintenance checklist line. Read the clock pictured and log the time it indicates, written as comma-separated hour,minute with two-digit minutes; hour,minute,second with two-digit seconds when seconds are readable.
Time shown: 6,54
